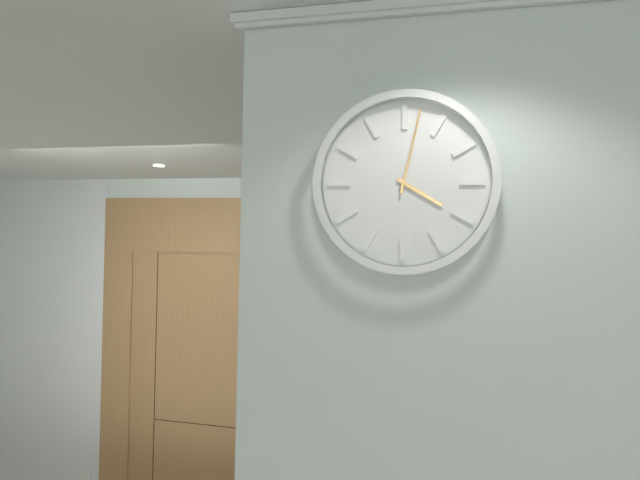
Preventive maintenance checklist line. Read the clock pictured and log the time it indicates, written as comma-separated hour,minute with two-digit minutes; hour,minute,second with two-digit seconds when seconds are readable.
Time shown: 4,02
